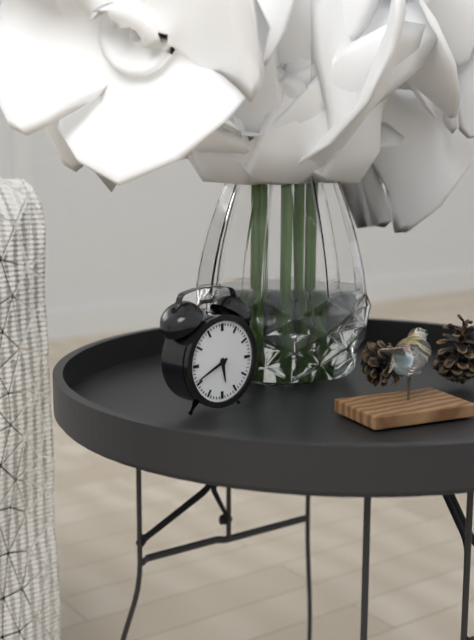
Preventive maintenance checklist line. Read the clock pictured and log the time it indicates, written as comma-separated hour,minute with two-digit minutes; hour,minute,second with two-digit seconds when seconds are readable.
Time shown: 5,41
